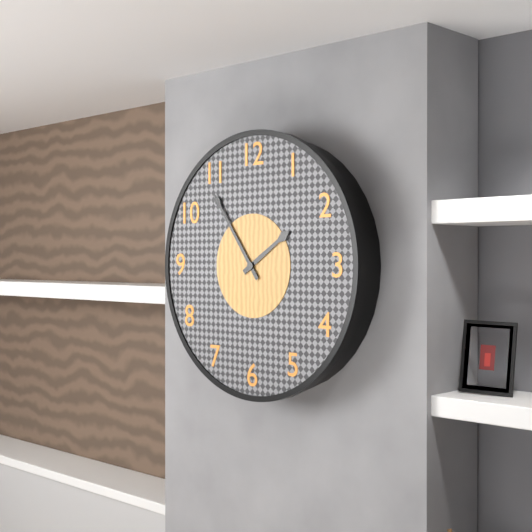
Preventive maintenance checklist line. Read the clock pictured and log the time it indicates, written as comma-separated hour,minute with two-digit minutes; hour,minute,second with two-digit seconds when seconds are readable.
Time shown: 1,54
